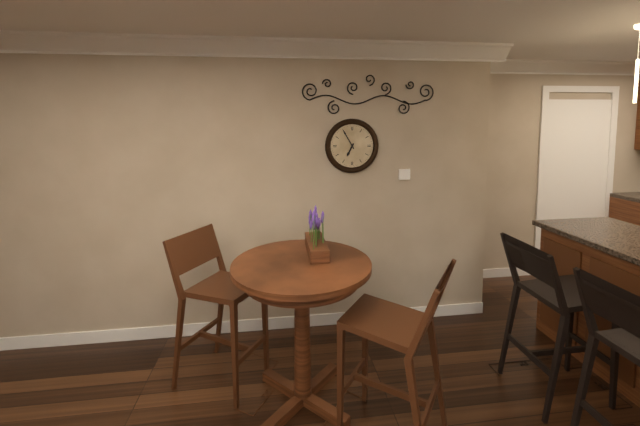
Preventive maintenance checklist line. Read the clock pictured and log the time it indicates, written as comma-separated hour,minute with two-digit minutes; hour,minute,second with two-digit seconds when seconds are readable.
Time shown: 6,55
